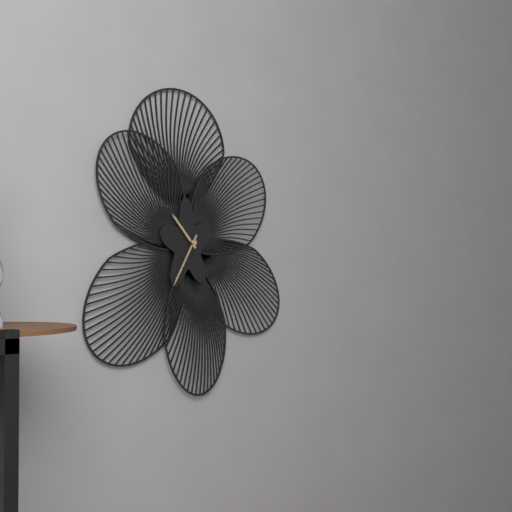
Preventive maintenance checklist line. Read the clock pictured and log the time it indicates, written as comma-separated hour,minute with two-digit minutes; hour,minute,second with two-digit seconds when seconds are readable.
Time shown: 10,35
